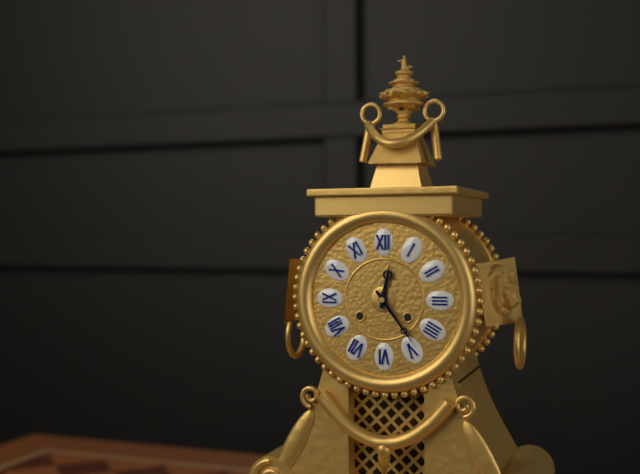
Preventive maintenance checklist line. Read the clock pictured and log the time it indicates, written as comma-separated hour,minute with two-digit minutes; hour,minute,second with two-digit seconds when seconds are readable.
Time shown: 12,24
